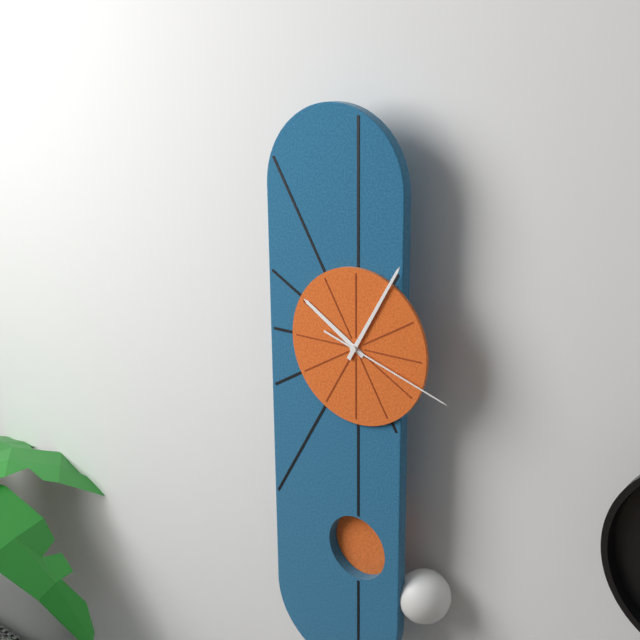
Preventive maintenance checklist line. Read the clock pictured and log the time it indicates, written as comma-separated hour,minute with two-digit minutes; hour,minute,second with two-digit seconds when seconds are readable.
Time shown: 10,05,18
